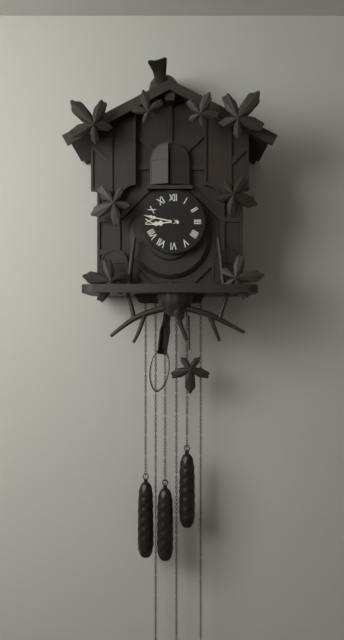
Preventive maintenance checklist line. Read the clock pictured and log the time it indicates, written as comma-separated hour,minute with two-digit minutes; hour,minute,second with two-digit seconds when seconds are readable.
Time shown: 8,47
